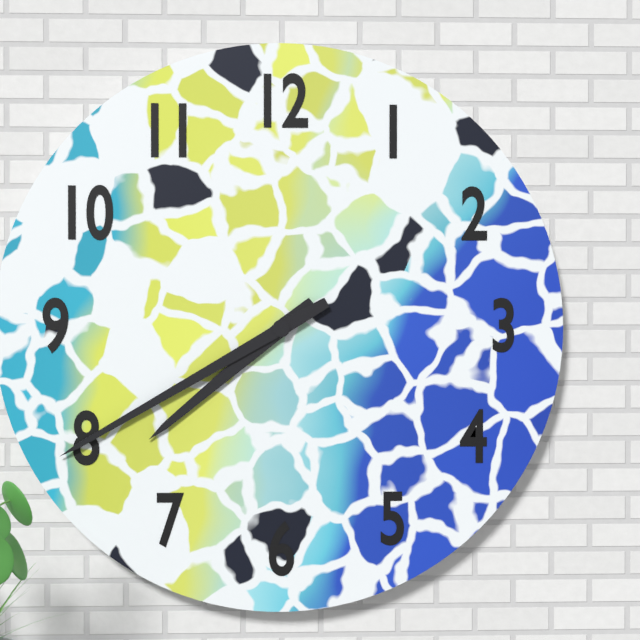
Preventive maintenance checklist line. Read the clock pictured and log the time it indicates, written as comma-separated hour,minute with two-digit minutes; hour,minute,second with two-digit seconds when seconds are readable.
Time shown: 7,40
